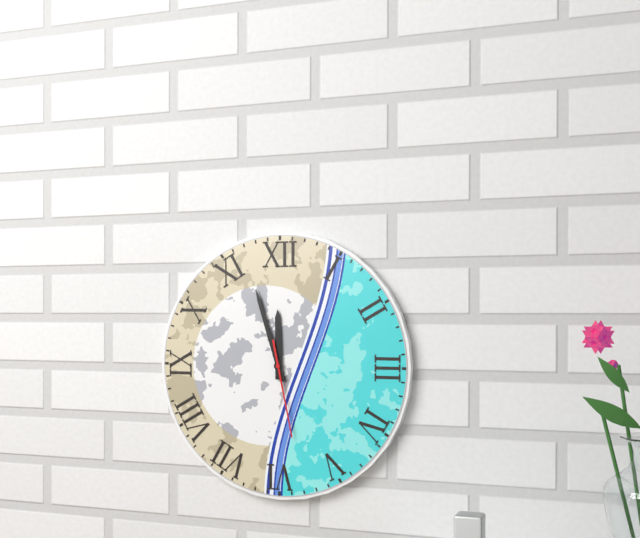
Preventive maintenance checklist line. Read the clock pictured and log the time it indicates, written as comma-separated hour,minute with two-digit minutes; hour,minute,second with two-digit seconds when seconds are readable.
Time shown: 11,57,28
